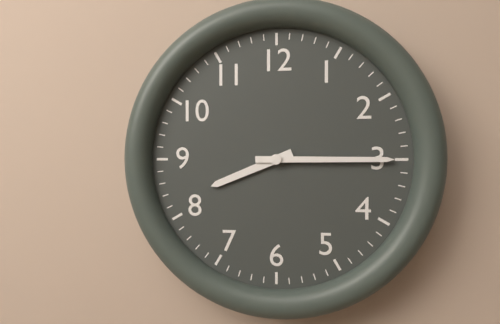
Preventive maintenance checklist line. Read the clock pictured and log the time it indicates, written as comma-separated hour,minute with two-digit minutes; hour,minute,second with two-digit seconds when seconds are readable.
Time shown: 8,15
